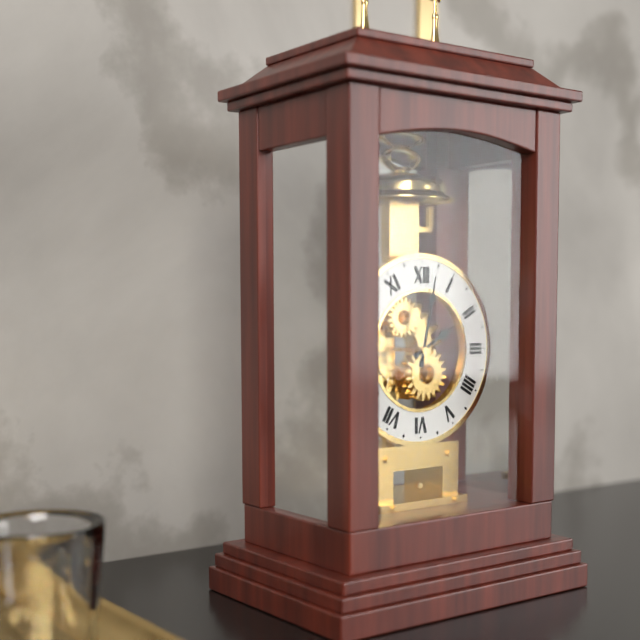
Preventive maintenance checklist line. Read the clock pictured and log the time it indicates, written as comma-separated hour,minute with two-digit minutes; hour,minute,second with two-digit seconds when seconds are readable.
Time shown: 2,02
